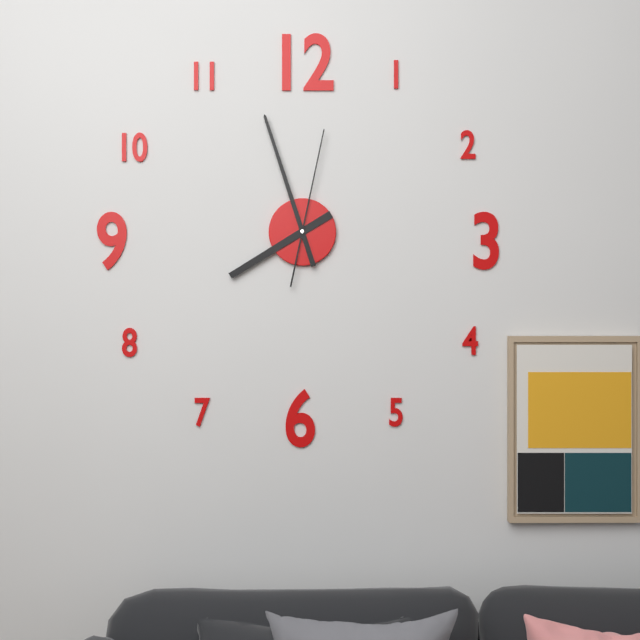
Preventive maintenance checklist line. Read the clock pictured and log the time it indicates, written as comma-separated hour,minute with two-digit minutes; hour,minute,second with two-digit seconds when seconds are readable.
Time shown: 7,57,02
